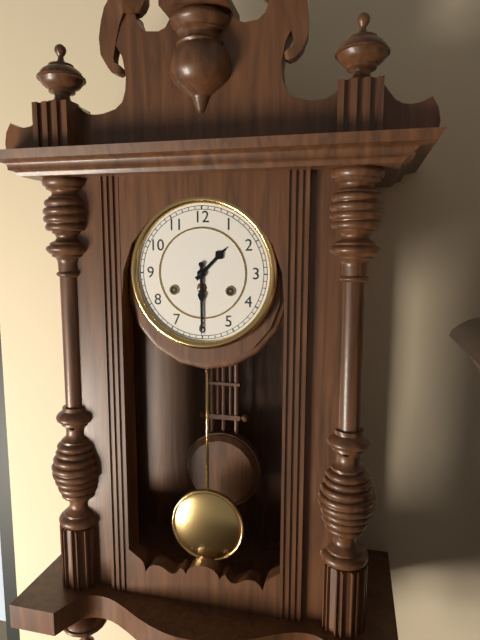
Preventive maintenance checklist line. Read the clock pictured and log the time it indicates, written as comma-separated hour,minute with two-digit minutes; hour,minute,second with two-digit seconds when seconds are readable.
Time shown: 1,30
